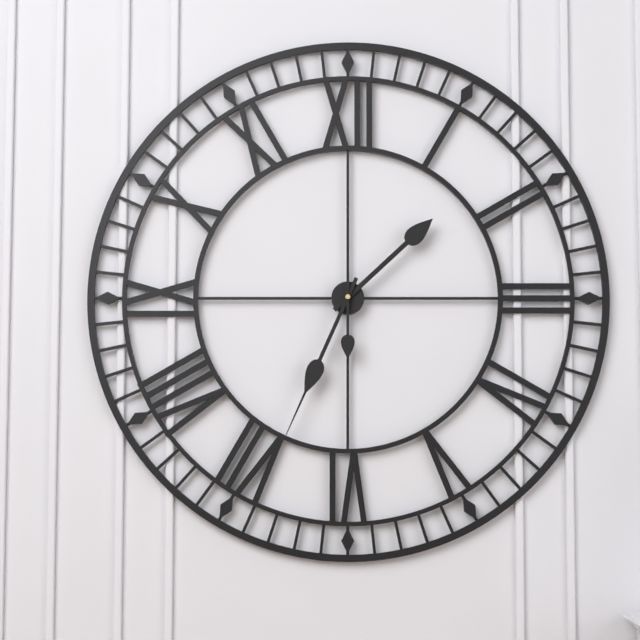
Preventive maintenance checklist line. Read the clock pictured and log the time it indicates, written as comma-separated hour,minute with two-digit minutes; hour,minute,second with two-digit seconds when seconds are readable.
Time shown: 1,34,30
